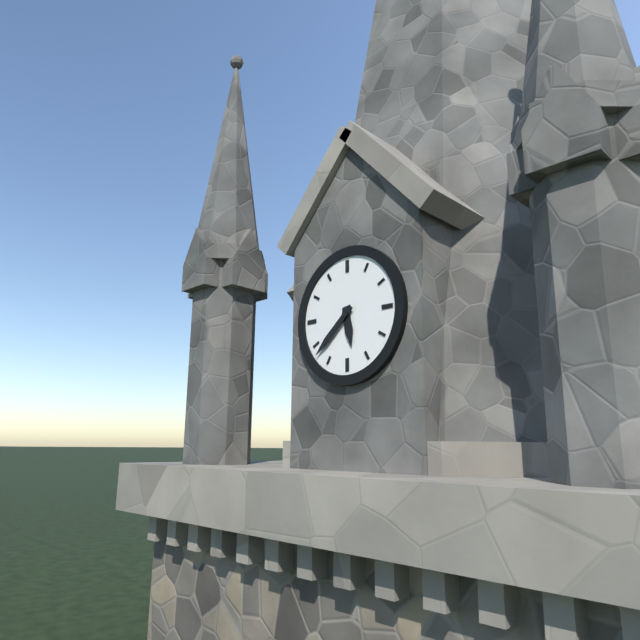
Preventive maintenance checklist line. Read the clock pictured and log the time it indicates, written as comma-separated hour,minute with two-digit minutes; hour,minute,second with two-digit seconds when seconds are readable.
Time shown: 5,38
